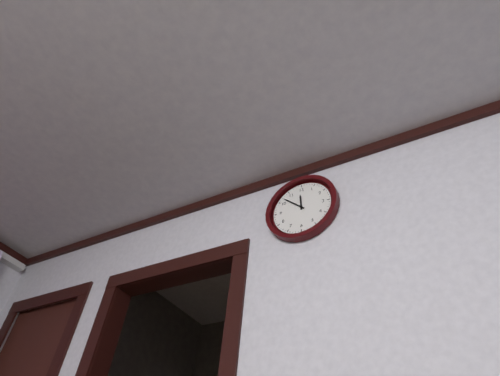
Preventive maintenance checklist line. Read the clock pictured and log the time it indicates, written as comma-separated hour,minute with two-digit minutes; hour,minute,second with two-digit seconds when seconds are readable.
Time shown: 11,52
